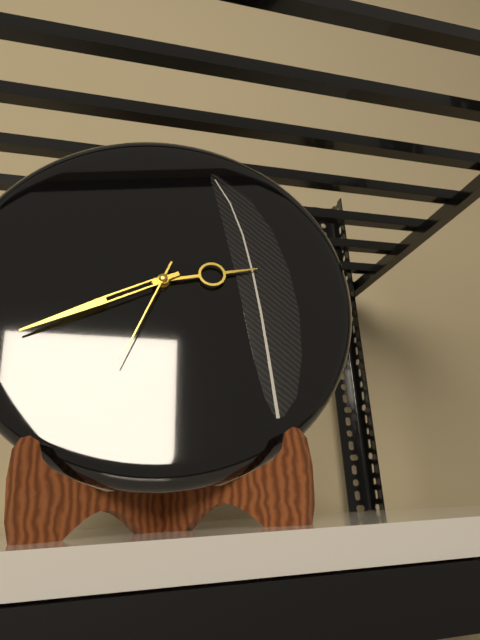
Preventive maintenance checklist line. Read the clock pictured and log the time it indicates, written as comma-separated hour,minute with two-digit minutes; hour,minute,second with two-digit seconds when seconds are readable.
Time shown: 2,41,34
